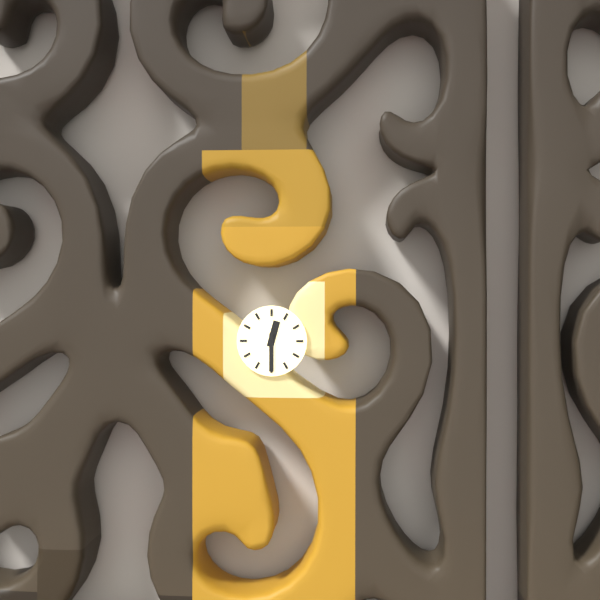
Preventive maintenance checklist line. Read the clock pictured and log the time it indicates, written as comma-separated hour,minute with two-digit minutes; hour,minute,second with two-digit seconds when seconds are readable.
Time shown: 12,30
